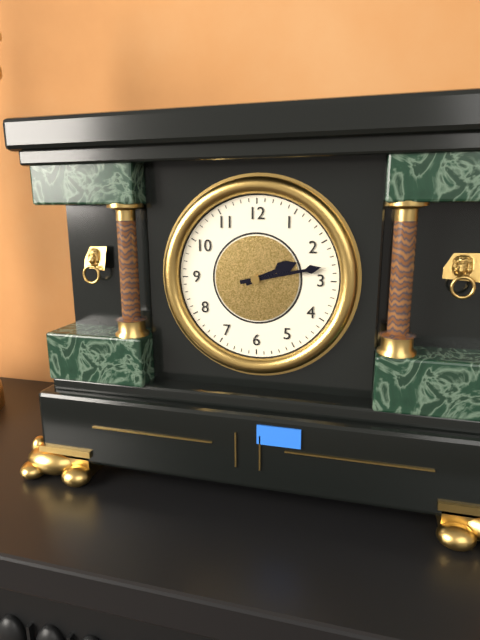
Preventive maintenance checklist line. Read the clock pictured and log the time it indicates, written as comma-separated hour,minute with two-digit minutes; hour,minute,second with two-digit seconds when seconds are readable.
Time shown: 2,13
